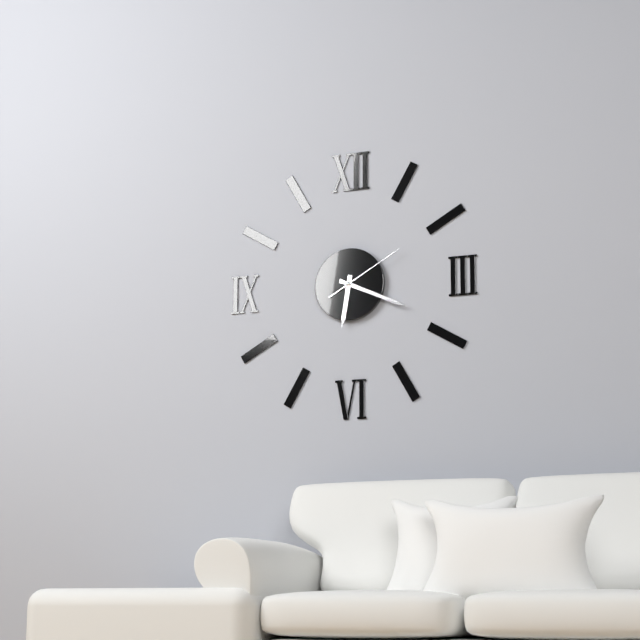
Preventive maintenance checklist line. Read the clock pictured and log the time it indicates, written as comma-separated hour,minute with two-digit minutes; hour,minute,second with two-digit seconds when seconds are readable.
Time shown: 6,19,10
